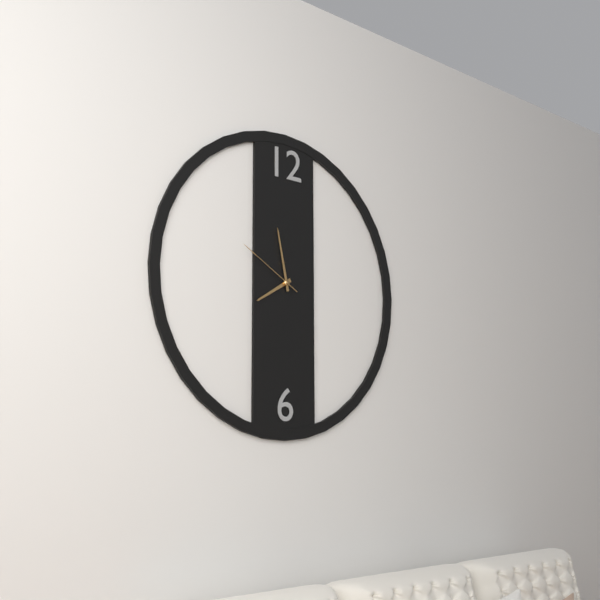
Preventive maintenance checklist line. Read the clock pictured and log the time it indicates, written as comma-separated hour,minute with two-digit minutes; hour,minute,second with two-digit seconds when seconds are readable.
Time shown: 7,58,50
